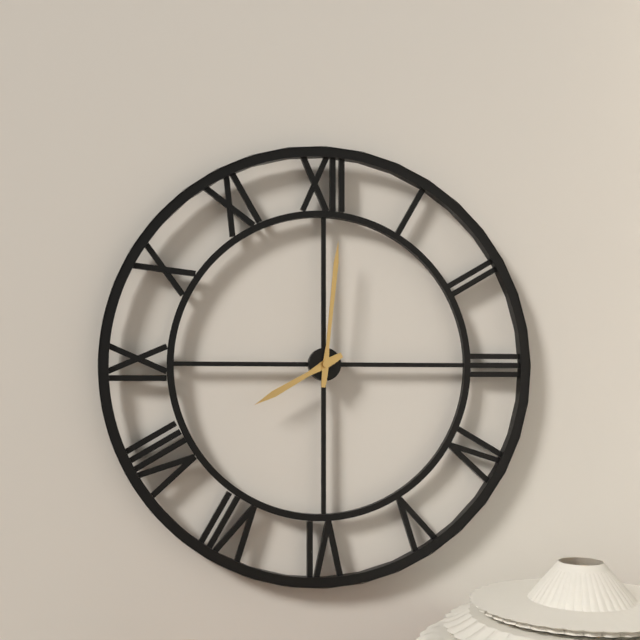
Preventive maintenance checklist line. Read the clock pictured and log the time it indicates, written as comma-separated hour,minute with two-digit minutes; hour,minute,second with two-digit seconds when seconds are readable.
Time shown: 8,01
